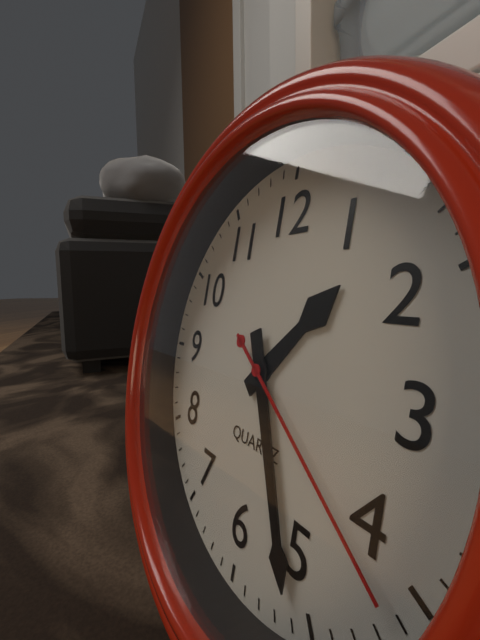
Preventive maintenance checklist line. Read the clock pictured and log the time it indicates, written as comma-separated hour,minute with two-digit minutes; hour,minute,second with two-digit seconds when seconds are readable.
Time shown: 1,26,21
